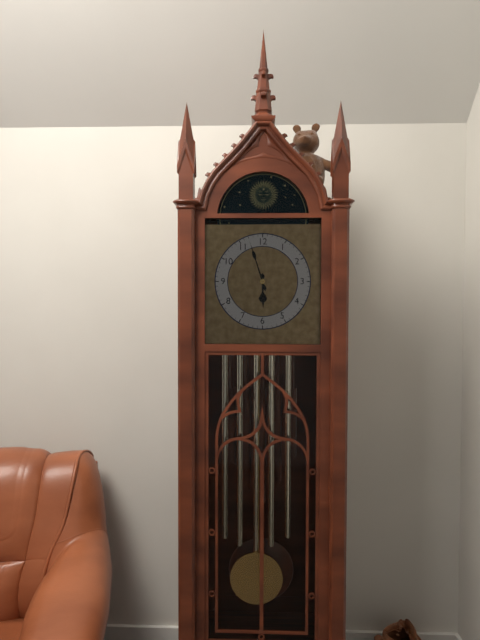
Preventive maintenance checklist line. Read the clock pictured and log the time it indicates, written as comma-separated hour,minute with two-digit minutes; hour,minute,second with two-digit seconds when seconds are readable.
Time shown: 5,57
